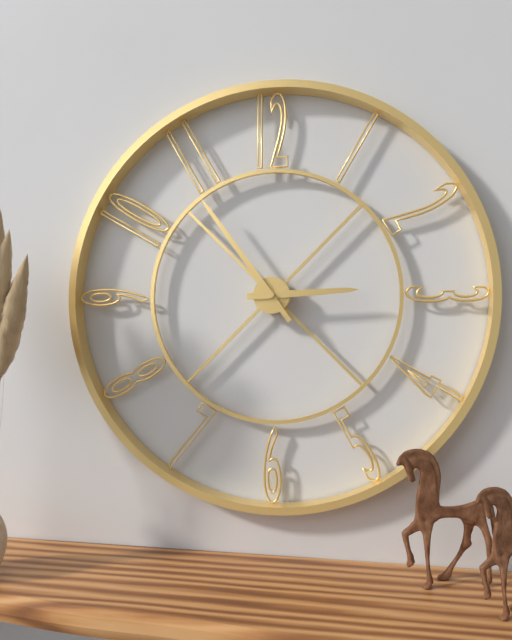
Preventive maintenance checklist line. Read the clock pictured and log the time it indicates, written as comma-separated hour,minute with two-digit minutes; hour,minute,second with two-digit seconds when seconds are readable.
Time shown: 2,54
